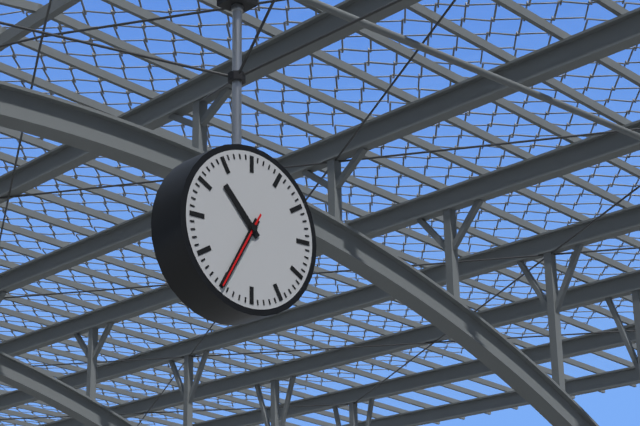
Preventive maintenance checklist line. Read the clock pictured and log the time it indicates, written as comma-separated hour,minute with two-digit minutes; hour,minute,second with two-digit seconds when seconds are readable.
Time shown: 10,35,35
